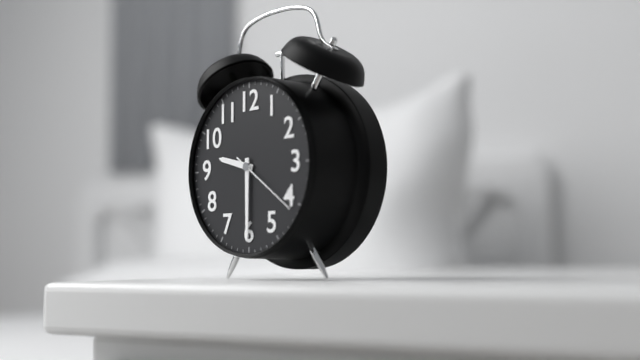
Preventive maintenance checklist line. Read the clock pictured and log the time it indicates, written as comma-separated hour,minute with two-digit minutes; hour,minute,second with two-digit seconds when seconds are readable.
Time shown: 9,30,21
